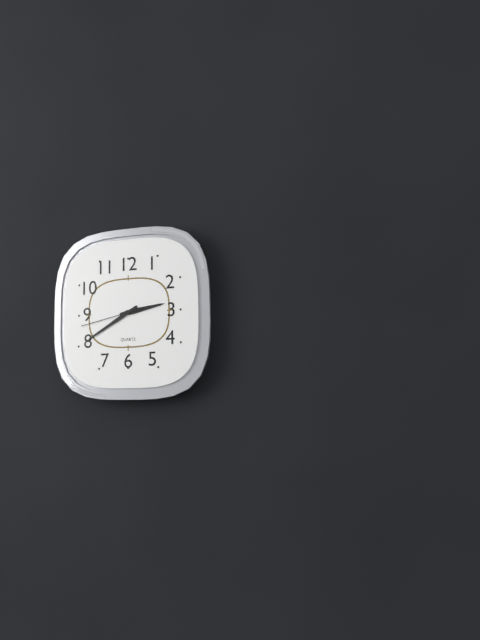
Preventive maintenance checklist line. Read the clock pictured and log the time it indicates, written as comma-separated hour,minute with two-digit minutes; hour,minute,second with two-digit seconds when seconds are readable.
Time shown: 2,40,43
